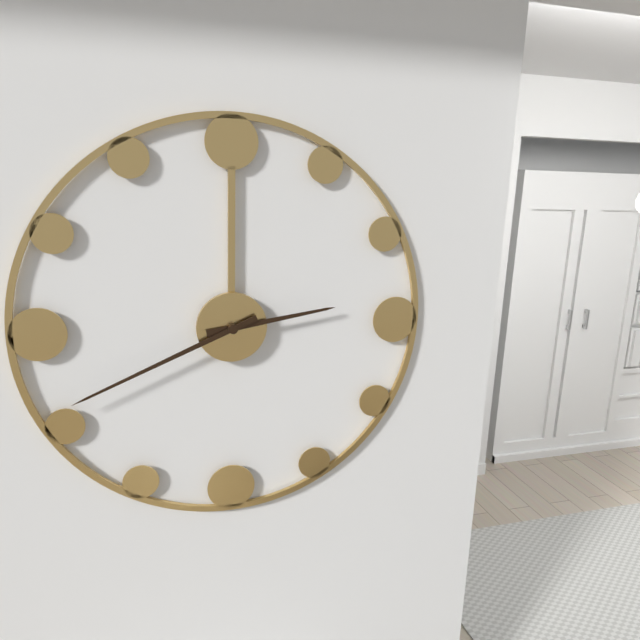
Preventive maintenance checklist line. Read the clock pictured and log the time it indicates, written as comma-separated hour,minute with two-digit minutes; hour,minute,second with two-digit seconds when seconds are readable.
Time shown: 2,41
